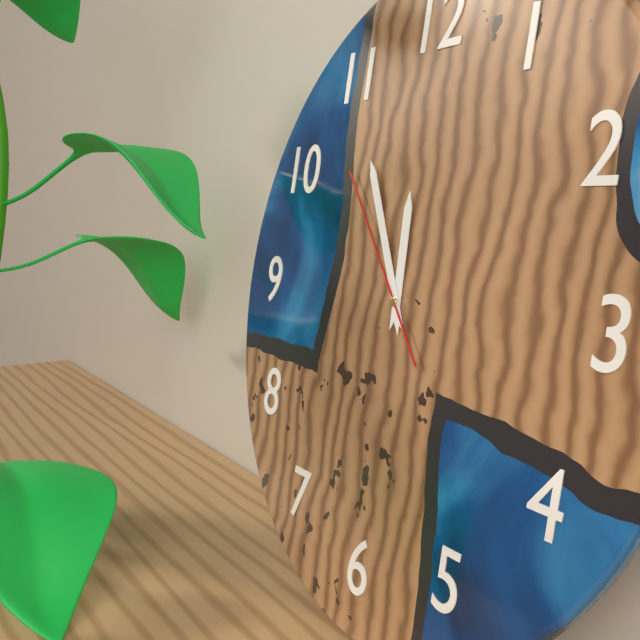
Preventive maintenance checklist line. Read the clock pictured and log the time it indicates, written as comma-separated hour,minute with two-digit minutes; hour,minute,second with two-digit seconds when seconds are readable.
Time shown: 11,55,53
